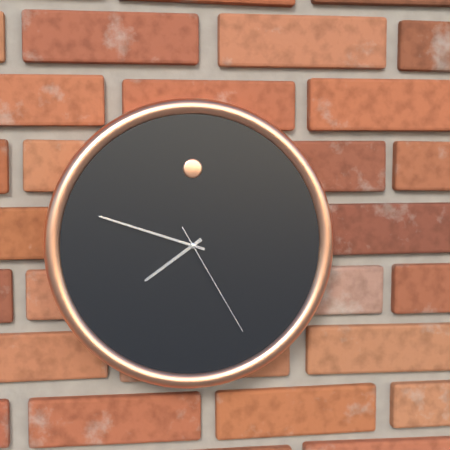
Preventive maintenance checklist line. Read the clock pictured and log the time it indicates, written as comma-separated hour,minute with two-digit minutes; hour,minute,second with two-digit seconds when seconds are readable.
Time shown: 7,48,25
